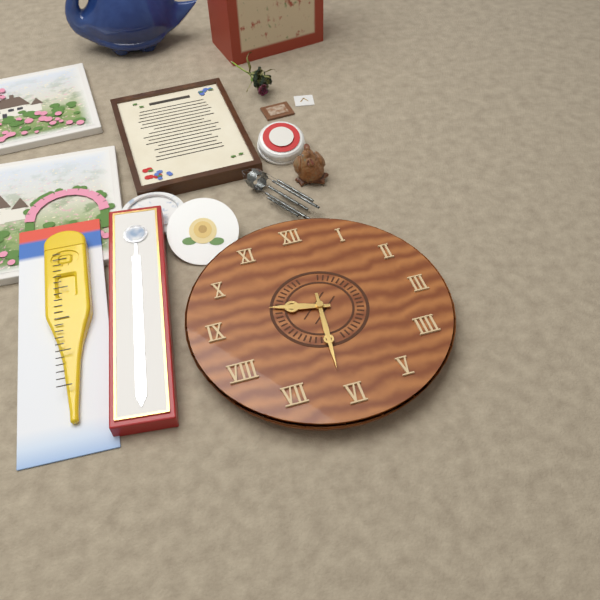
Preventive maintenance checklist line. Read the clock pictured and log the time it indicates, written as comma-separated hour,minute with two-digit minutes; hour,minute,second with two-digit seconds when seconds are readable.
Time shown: 9,31
